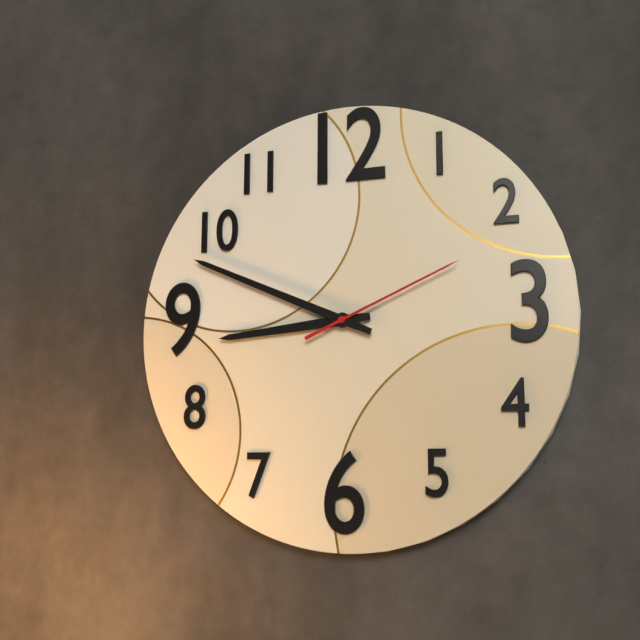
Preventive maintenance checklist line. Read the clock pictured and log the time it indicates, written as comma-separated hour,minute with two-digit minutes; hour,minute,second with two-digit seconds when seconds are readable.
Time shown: 8,49,11
